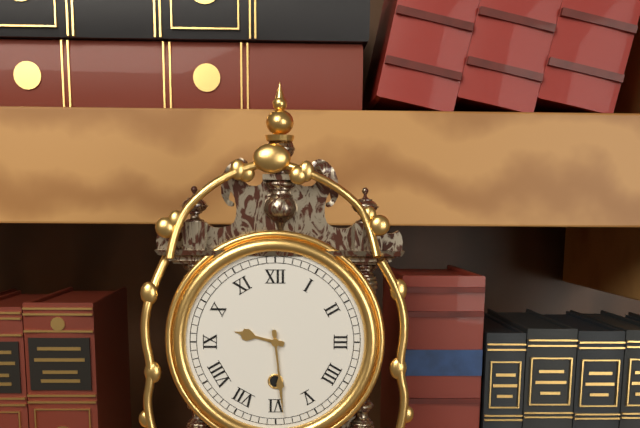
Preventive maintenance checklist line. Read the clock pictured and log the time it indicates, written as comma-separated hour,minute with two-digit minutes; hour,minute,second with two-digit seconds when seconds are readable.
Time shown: 9,29
